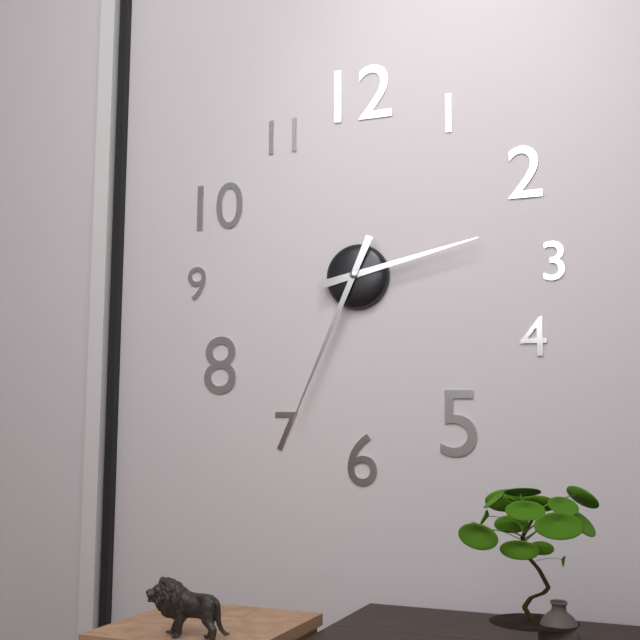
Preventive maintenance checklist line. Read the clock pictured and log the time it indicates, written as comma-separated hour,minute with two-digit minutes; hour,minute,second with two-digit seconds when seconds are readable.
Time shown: 2,34
